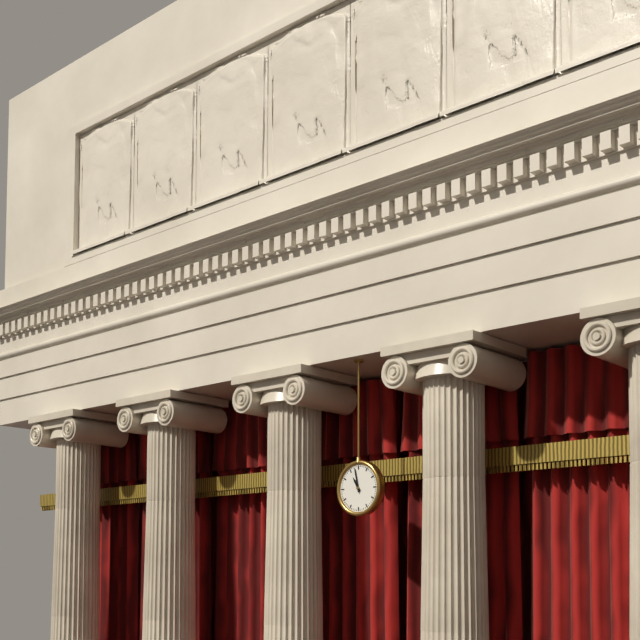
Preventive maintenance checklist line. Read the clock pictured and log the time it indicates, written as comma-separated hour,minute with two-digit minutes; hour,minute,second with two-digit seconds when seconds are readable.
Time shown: 10,58
